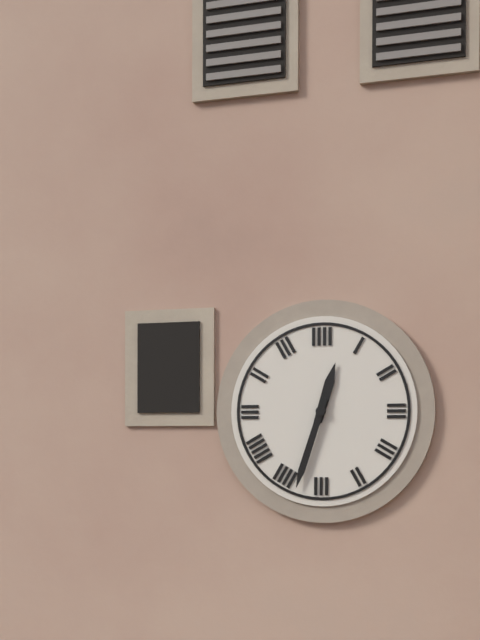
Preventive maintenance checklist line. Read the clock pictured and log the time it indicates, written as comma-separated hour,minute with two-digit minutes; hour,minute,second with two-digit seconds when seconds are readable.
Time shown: 12,33
